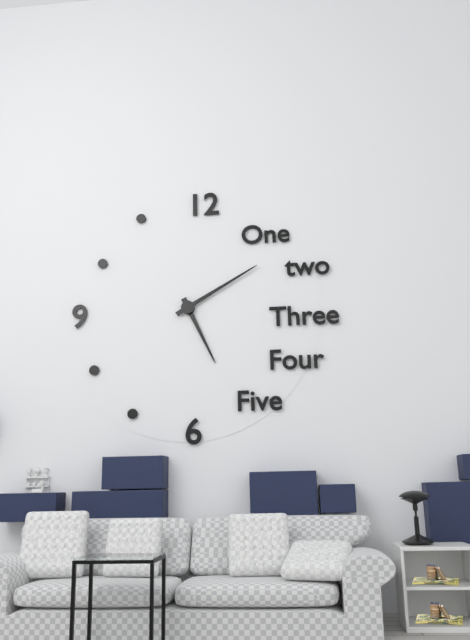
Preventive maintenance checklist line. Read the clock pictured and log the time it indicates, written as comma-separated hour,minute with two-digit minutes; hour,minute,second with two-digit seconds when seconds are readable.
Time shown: 5,10
